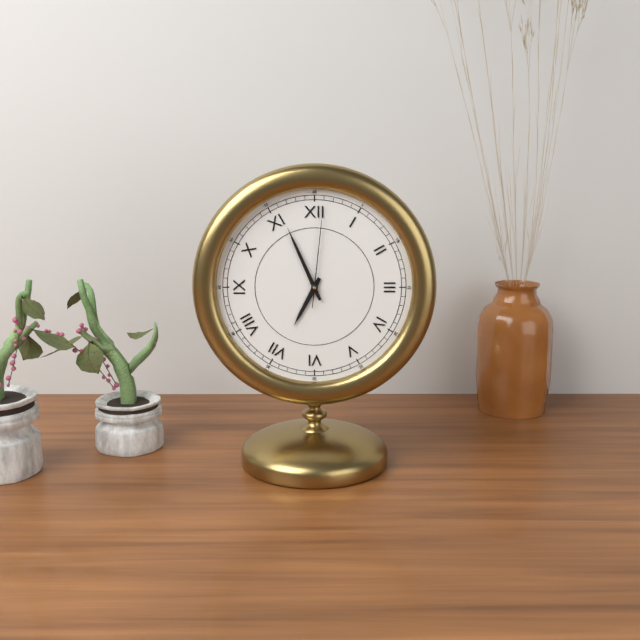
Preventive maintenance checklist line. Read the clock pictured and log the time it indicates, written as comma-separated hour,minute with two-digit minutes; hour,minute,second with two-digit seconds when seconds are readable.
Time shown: 6,56,01
